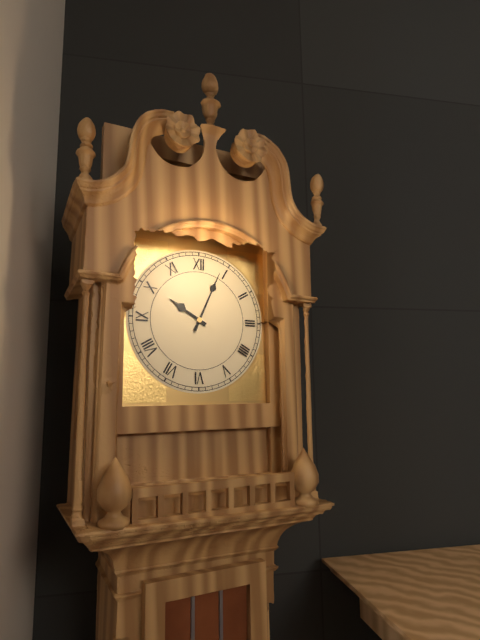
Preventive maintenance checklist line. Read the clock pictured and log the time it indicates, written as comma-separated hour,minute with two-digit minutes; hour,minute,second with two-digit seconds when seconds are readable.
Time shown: 10,04
